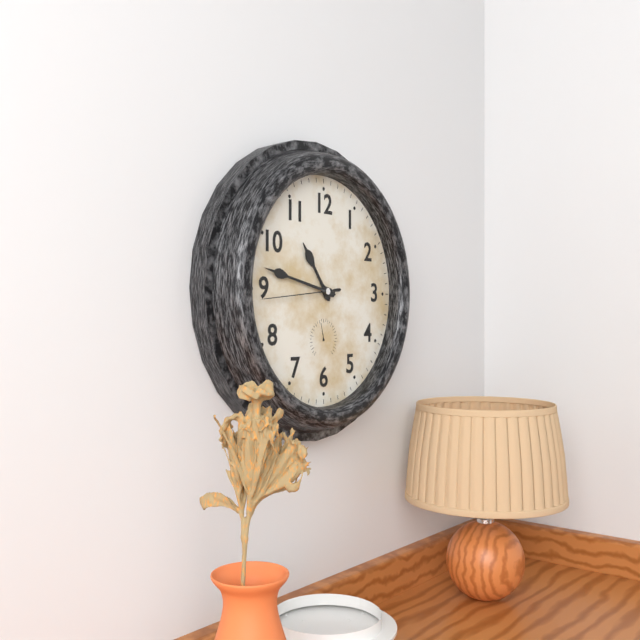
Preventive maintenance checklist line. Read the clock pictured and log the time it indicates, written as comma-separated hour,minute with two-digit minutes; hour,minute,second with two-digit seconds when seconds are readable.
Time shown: 10,47,44
